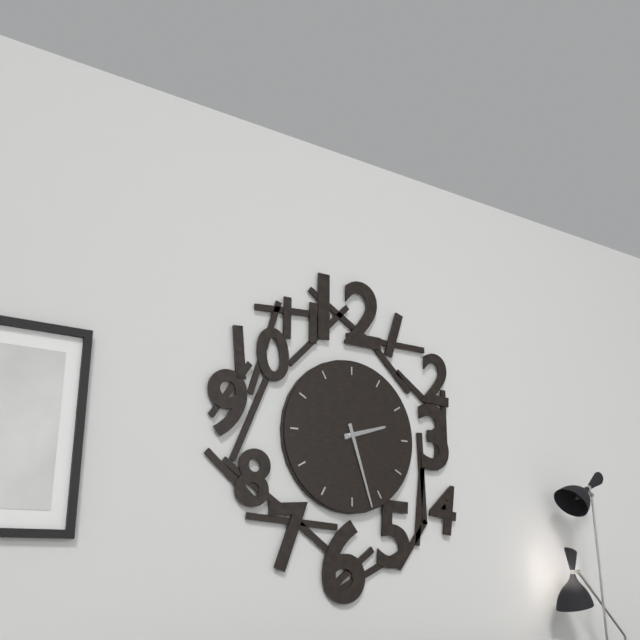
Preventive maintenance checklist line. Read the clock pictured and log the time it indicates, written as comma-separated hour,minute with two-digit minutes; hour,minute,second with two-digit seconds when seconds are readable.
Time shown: 2,27
